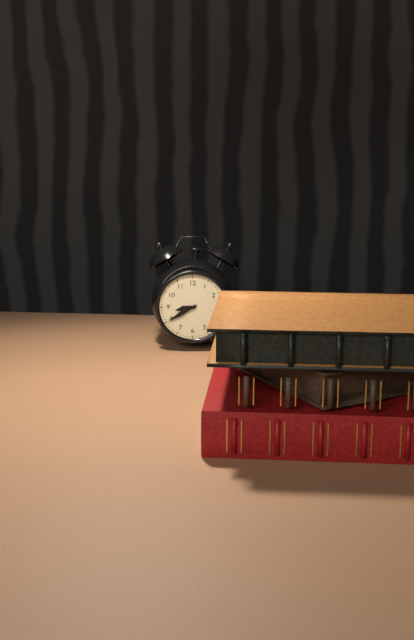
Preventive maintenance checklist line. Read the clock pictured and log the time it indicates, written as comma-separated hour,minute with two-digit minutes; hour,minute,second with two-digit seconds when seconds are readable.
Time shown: 8,40
